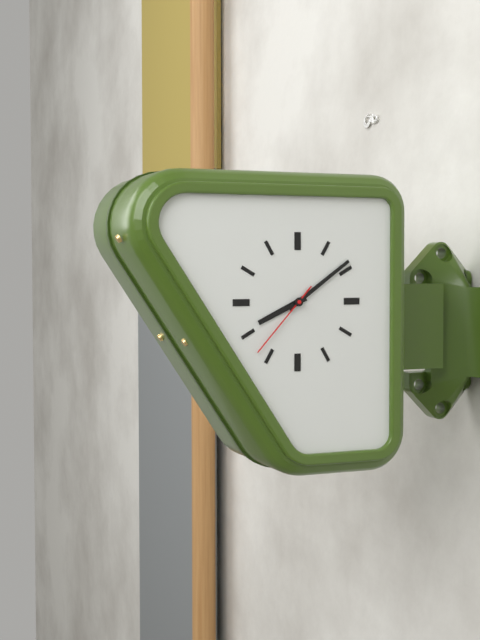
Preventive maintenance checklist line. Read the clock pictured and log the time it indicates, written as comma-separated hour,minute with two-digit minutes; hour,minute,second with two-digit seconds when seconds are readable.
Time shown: 8,09,37
